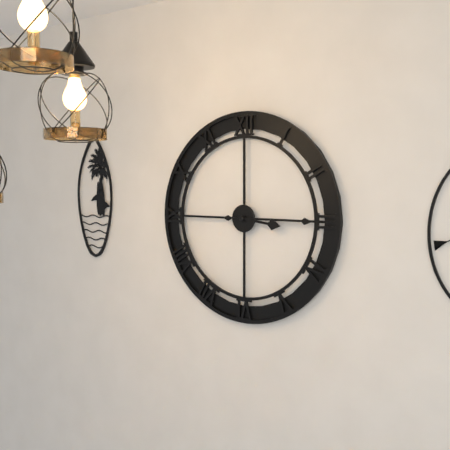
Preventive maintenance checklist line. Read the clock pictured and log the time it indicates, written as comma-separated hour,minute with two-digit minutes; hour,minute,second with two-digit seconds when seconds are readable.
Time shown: 3,15
